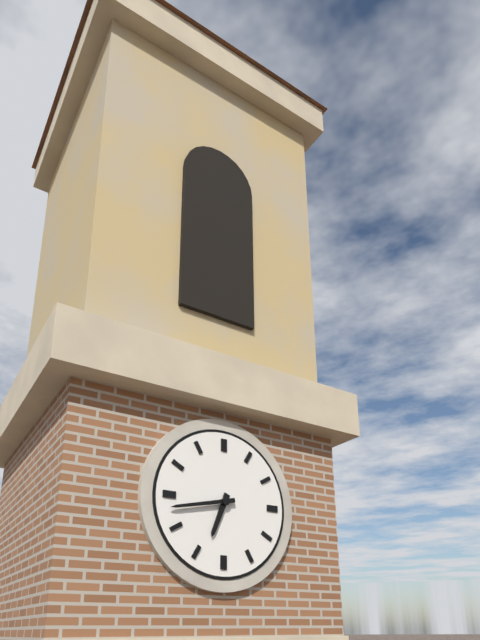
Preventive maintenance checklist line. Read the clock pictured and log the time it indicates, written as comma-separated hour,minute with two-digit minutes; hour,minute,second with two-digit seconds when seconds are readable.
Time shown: 6,43
